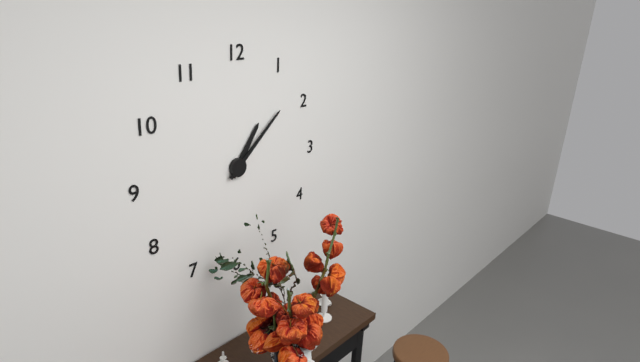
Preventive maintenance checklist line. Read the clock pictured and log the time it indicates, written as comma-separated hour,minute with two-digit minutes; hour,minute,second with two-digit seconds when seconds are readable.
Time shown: 1,08
